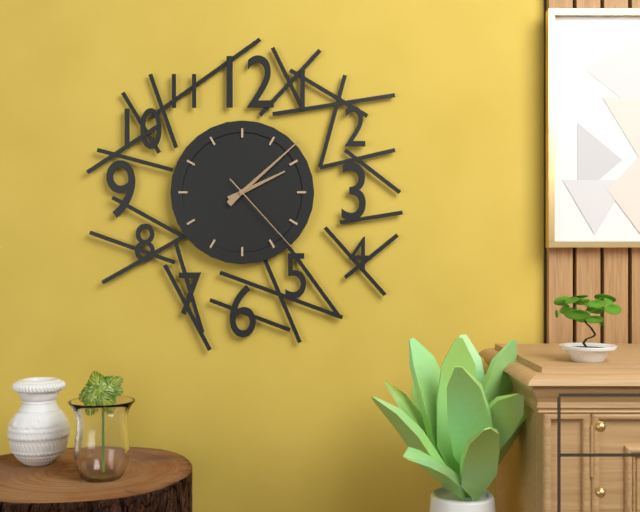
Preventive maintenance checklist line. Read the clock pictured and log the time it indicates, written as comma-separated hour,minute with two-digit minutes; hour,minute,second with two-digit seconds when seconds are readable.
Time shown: 2,08,23
